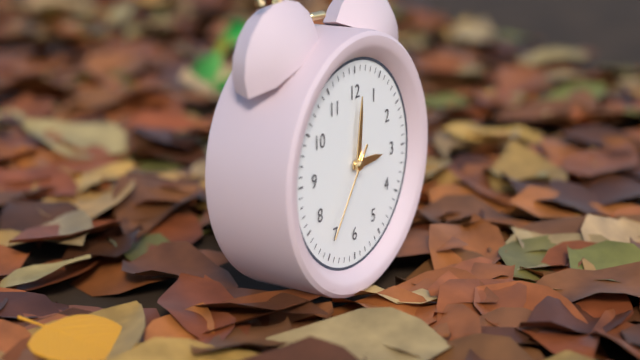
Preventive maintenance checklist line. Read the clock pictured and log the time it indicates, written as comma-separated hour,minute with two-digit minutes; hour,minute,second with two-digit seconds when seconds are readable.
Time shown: 3,01,36
